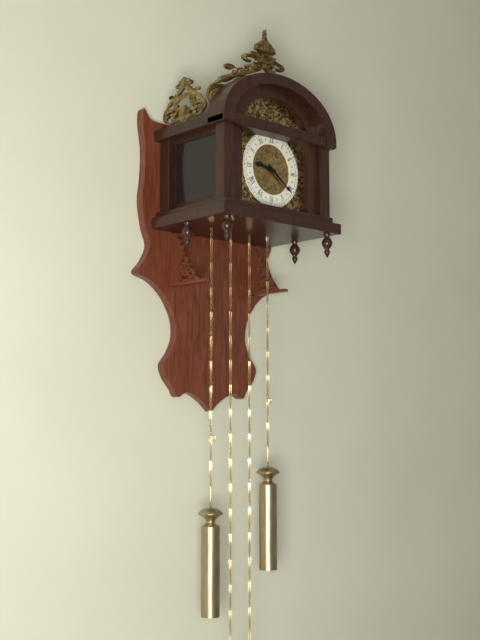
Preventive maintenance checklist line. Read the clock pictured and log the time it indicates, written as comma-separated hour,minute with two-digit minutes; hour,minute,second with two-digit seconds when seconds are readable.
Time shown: 9,21
